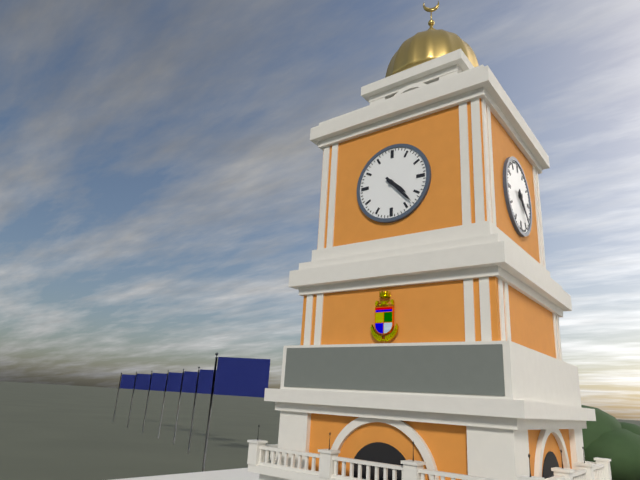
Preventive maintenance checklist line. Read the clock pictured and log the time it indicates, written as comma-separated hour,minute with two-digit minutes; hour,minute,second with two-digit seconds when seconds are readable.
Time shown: 4,23
